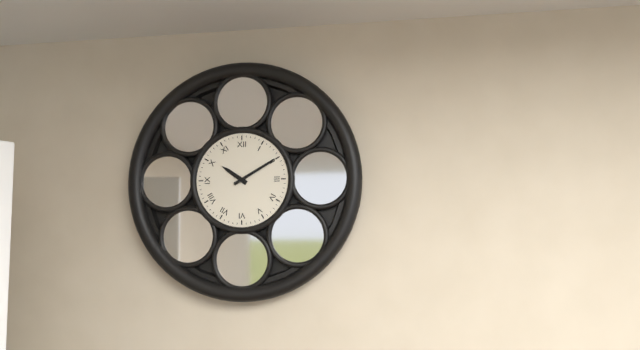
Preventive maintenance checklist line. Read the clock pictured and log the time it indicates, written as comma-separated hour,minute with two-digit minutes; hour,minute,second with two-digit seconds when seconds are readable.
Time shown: 10,10
